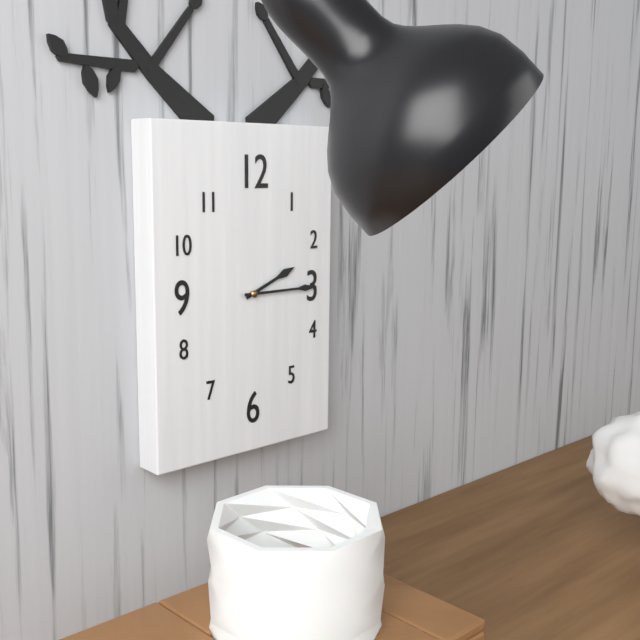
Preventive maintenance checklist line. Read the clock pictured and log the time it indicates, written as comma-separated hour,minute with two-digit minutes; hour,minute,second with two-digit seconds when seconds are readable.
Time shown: 2,15
